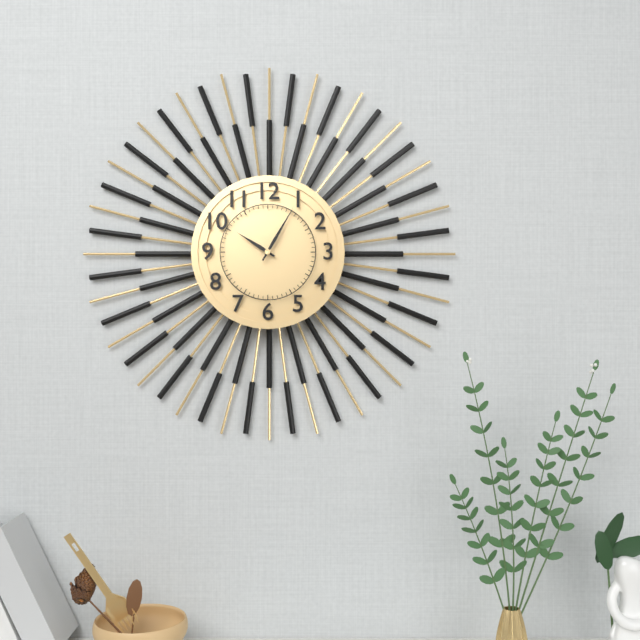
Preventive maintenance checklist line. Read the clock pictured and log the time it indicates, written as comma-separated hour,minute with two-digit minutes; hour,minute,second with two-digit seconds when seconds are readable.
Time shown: 10,05
